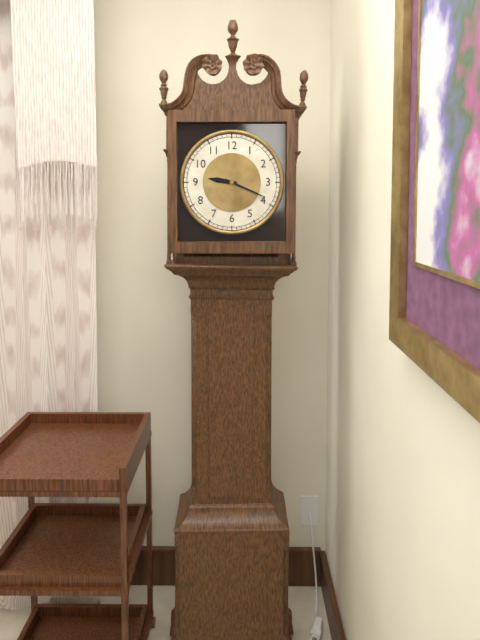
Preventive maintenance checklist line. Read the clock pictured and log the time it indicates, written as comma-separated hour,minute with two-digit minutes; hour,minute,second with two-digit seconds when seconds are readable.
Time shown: 9,19
